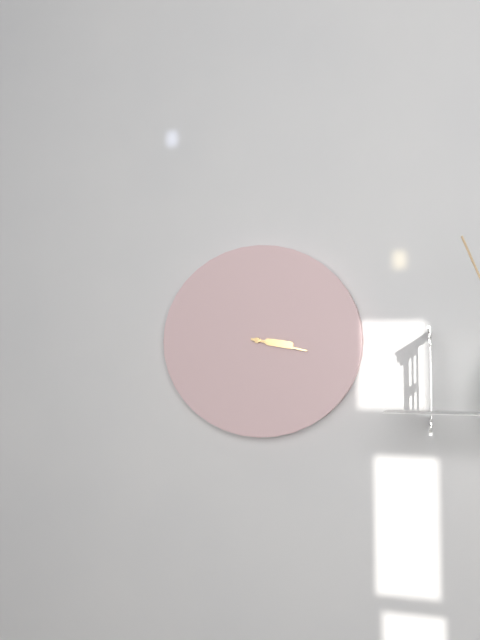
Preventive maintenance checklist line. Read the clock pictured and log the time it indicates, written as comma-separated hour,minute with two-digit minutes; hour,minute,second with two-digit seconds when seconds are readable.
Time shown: 3,17
